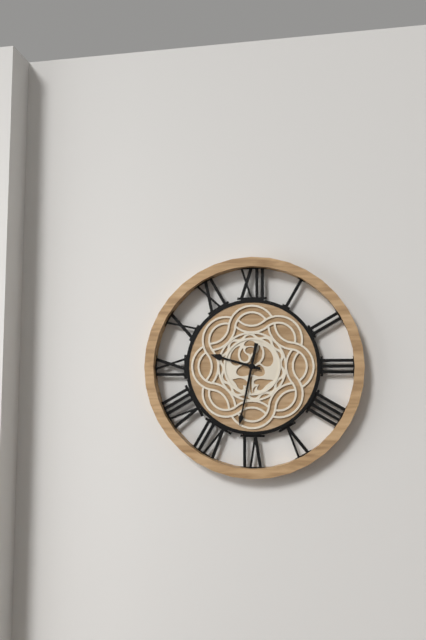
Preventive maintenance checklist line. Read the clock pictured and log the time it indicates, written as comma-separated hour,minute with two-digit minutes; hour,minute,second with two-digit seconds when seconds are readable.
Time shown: 9,32
